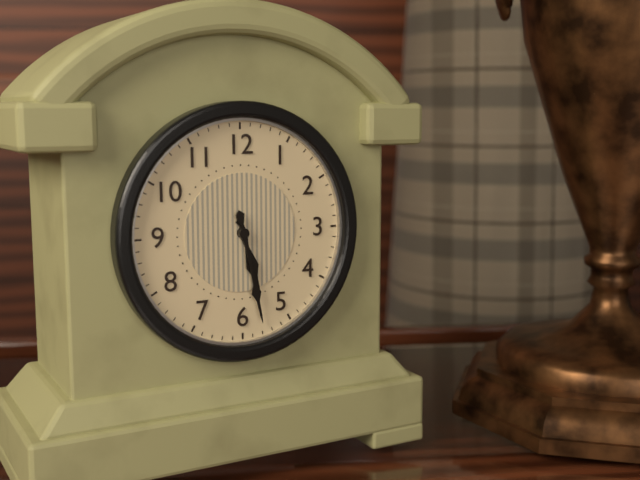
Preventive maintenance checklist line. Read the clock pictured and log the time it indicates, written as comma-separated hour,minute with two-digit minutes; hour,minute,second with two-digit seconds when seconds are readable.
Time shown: 5,28
